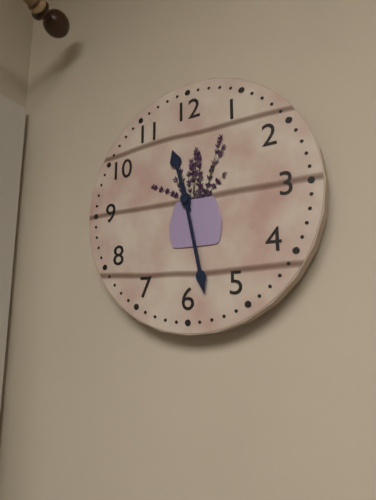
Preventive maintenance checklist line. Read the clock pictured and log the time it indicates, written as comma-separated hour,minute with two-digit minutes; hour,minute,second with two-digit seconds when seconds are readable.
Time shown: 11,28
